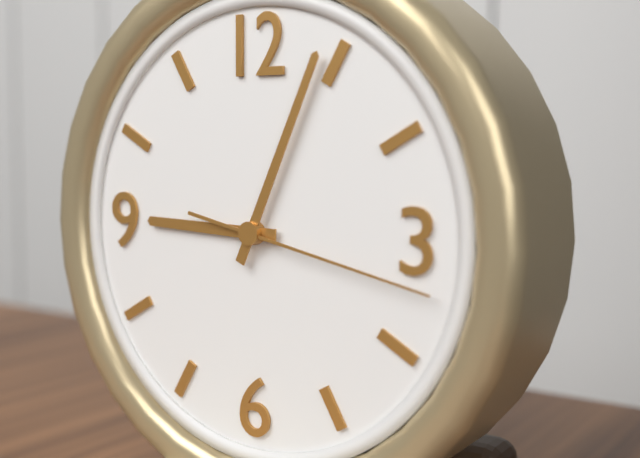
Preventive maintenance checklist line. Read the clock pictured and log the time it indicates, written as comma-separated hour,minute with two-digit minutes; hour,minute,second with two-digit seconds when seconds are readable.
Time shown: 9,04,17
